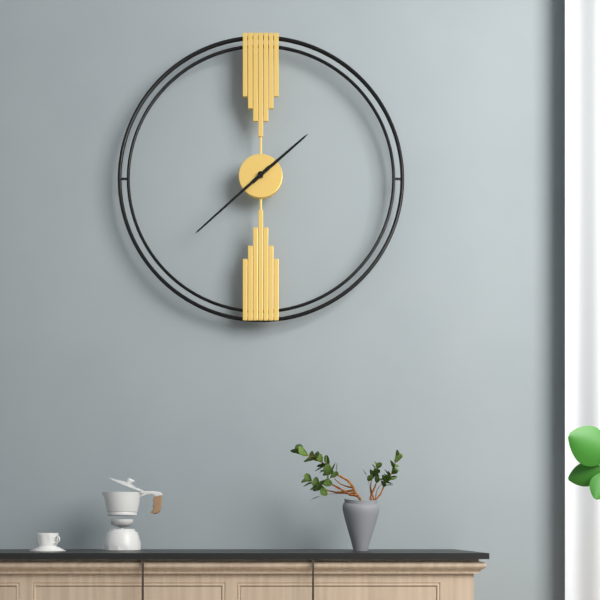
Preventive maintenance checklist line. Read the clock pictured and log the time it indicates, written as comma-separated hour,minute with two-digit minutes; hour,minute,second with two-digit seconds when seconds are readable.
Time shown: 1,38
